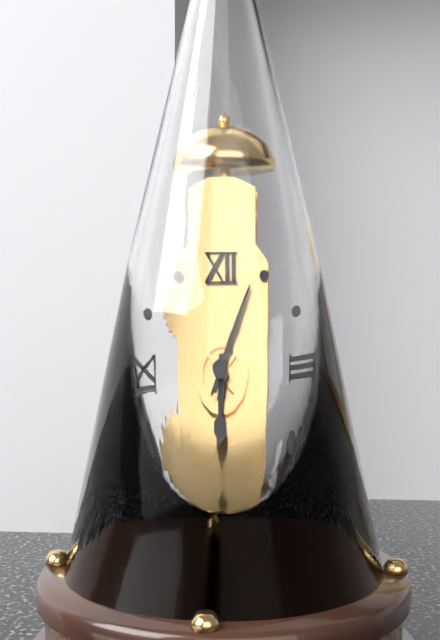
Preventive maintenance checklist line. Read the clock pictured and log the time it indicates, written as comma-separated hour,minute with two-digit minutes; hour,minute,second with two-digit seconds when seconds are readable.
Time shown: 6,04
